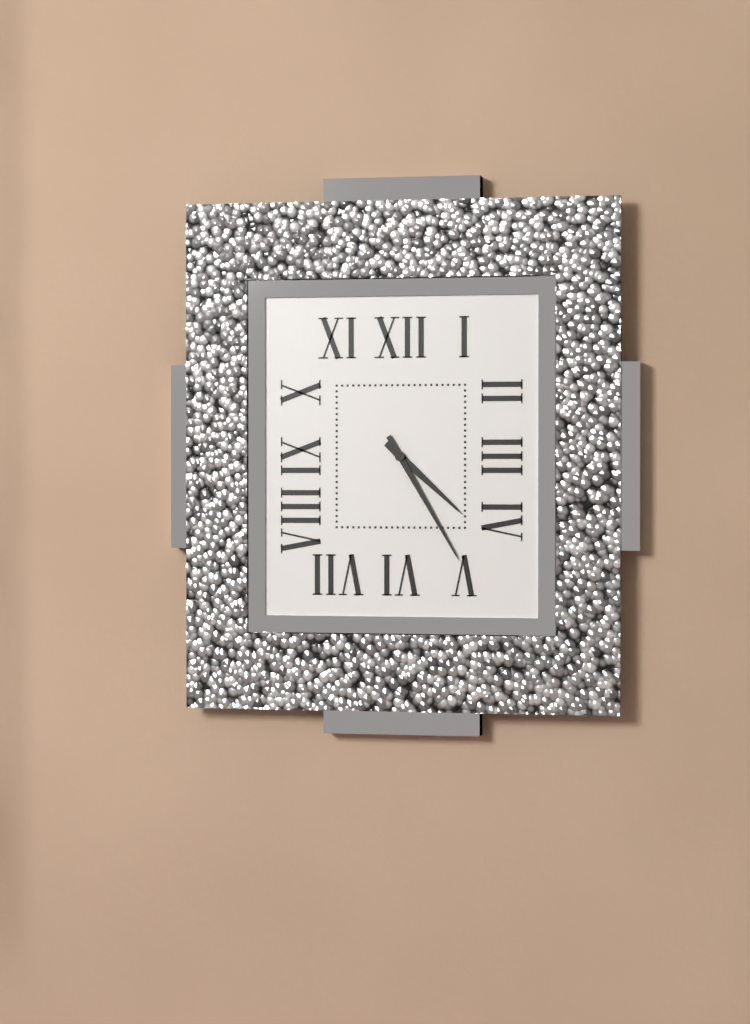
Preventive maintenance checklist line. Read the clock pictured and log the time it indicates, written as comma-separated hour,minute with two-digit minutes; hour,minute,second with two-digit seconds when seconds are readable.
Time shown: 4,25
